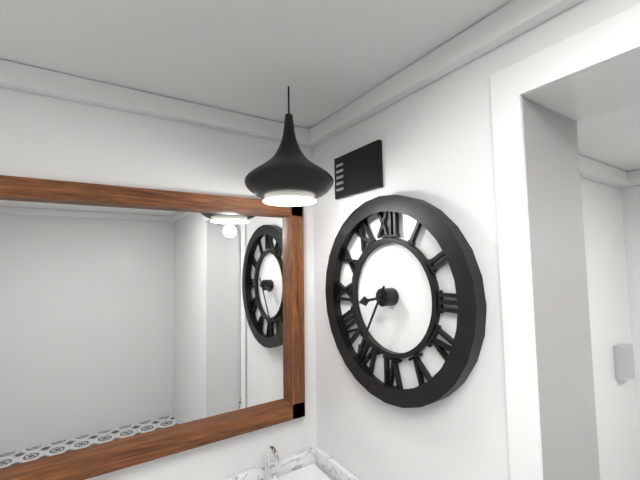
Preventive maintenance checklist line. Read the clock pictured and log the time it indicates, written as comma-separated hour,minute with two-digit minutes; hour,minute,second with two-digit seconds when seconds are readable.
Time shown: 8,35
